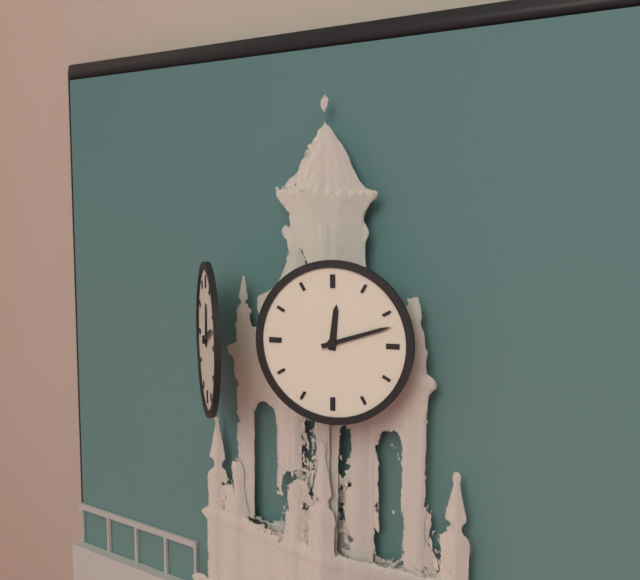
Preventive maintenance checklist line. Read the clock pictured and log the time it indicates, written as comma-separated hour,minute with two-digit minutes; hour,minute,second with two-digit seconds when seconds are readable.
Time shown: 12,12
